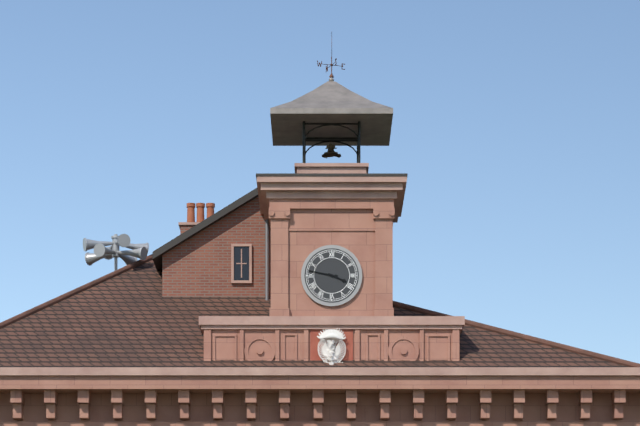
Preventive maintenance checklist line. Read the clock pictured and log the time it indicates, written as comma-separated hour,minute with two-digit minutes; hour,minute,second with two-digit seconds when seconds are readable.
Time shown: 3,47
